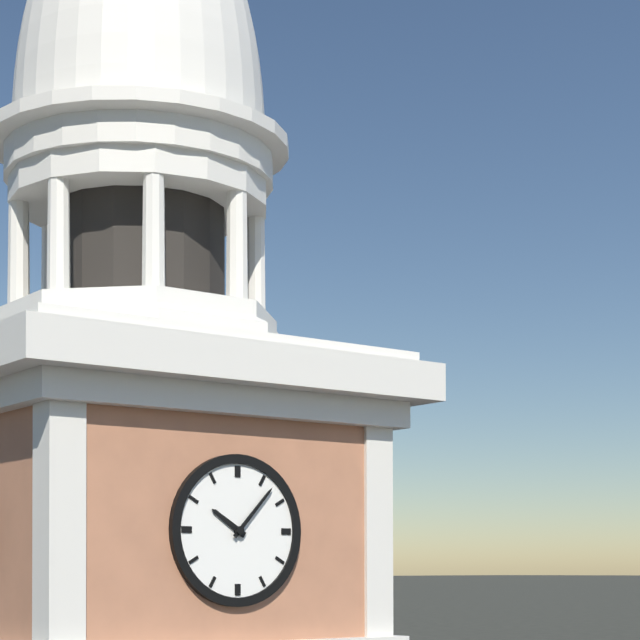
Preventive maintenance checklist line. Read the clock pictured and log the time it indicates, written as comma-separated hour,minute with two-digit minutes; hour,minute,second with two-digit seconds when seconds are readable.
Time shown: 10,07
